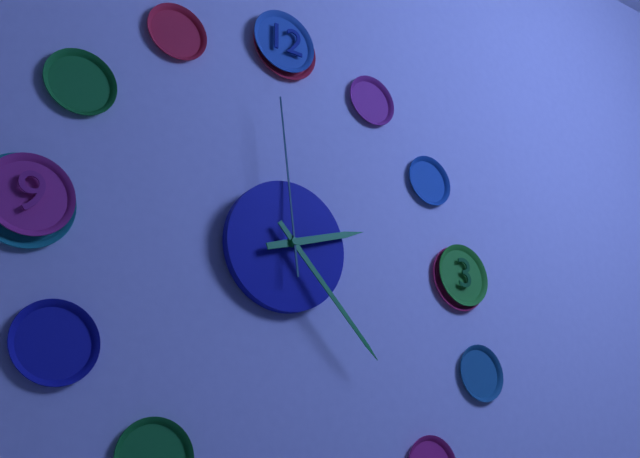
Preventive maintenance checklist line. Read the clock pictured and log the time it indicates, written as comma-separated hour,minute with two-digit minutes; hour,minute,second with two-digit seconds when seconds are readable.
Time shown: 2,23,59
